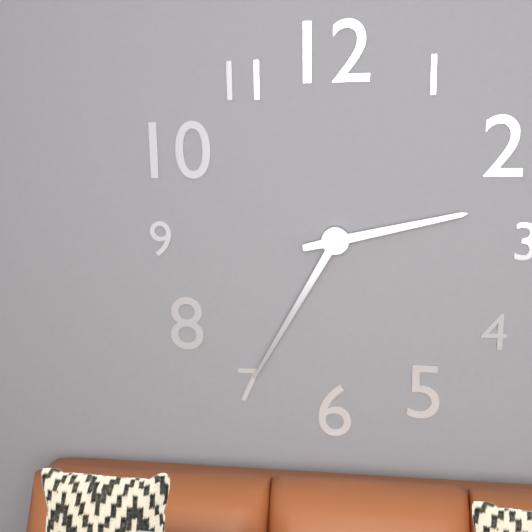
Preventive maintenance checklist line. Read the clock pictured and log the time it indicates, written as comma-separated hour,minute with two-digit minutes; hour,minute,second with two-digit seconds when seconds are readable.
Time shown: 2,35
